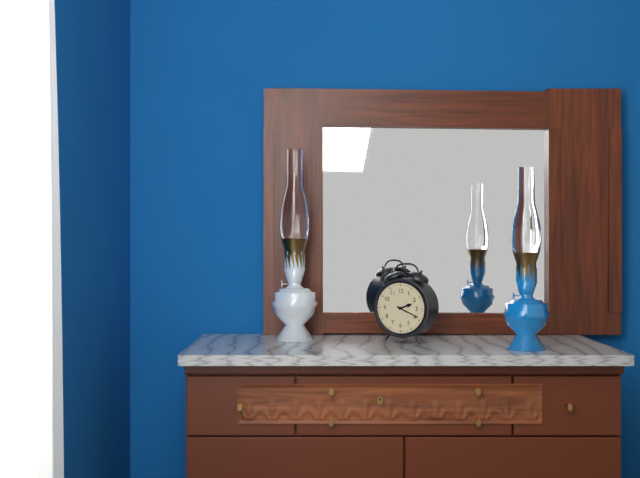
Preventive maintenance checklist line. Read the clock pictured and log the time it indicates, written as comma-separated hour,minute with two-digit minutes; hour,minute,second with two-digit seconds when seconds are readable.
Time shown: 2,19
